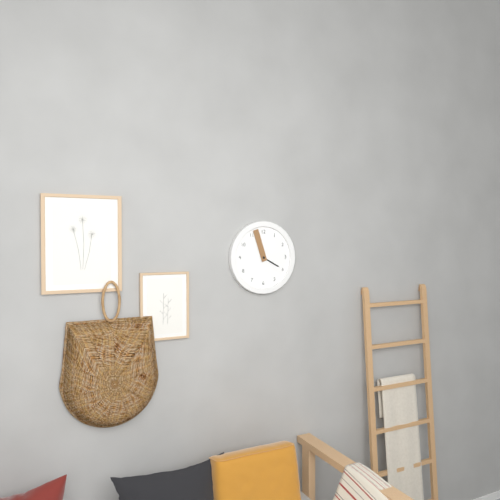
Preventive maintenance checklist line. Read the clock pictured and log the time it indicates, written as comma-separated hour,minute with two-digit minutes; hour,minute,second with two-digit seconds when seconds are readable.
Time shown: 3,57
